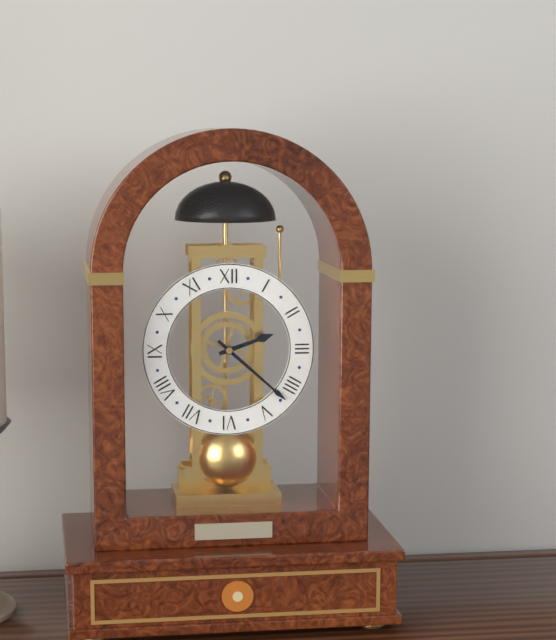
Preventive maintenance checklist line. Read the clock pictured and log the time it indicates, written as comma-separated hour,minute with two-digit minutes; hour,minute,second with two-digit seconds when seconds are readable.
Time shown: 2,22
